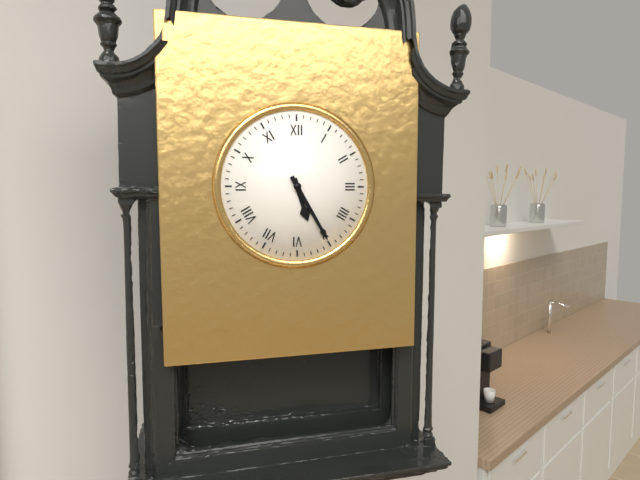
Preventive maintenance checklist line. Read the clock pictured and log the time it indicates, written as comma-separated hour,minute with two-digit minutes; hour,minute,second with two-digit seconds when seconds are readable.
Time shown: 5,25
